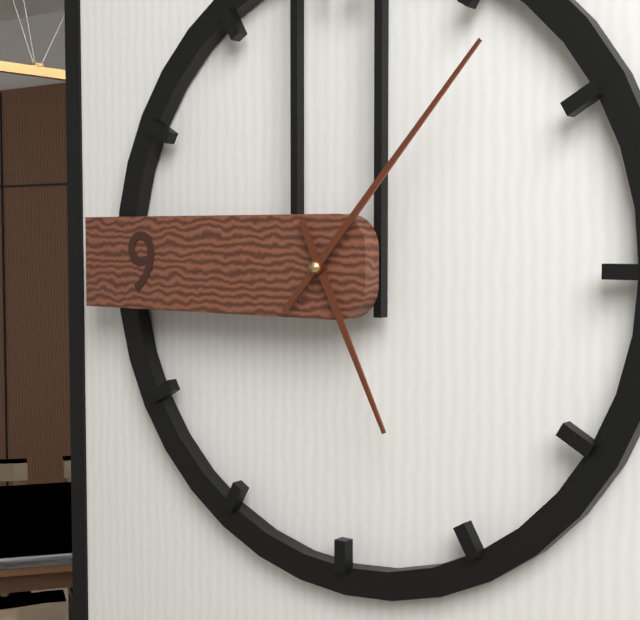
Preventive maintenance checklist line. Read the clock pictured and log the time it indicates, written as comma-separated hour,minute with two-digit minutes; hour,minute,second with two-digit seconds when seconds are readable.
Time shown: 5,07
